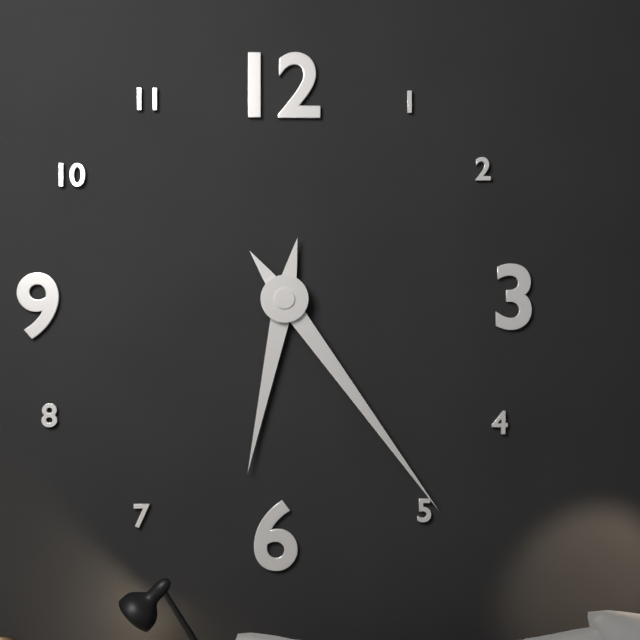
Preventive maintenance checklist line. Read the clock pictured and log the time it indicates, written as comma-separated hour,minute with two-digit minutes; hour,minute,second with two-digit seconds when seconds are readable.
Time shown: 6,24
